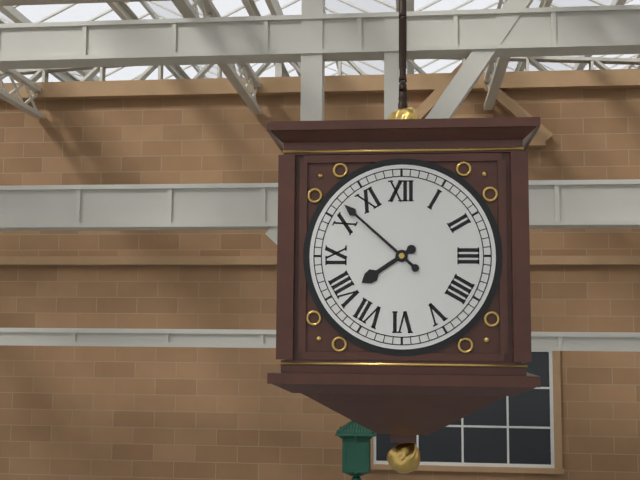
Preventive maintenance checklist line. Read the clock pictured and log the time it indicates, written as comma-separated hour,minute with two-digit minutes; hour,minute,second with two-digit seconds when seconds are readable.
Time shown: 7,52
